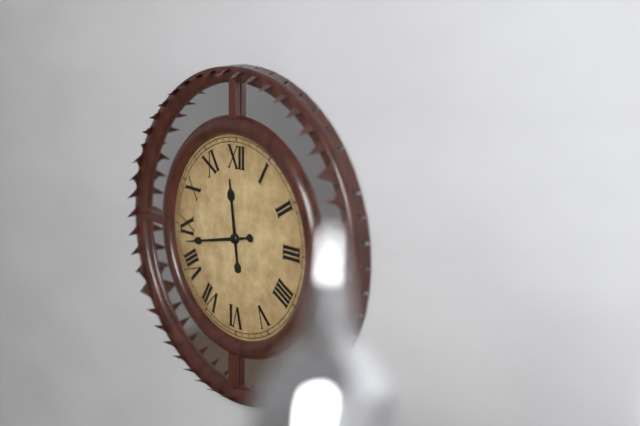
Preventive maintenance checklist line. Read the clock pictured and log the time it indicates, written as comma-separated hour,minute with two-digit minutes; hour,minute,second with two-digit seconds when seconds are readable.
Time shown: 11,43
